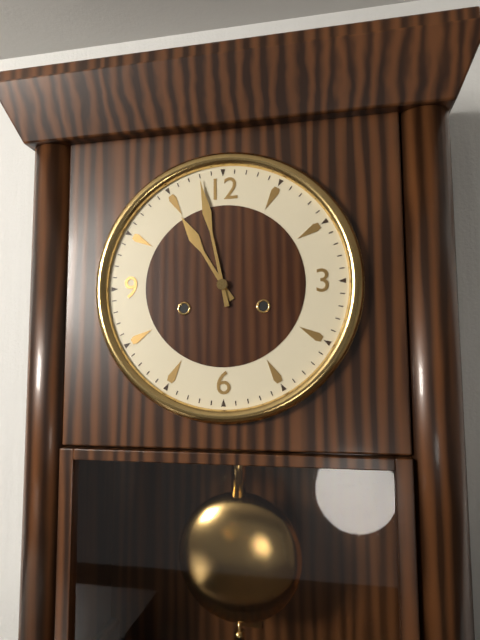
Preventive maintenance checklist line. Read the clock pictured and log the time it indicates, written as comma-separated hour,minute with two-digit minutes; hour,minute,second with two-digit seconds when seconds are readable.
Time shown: 10,58
